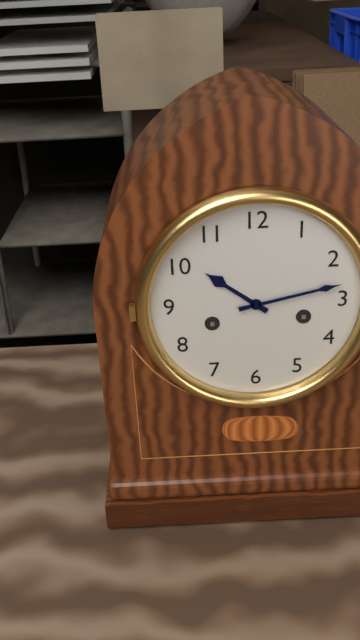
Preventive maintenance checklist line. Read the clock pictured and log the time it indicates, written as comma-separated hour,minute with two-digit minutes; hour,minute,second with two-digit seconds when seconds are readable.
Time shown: 10,13
